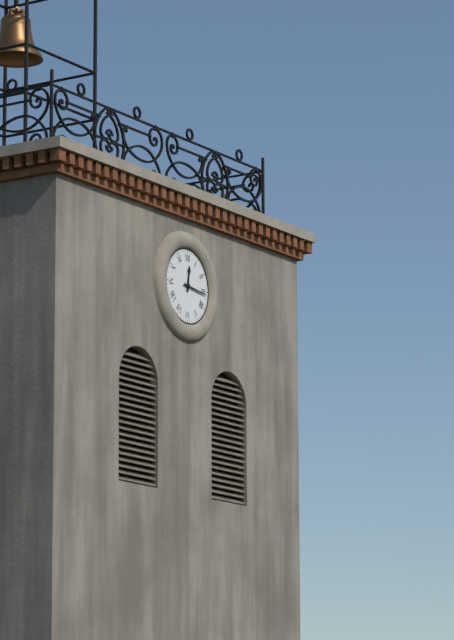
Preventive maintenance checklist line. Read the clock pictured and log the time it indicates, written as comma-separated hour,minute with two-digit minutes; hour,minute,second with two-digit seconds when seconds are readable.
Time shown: 12,16
